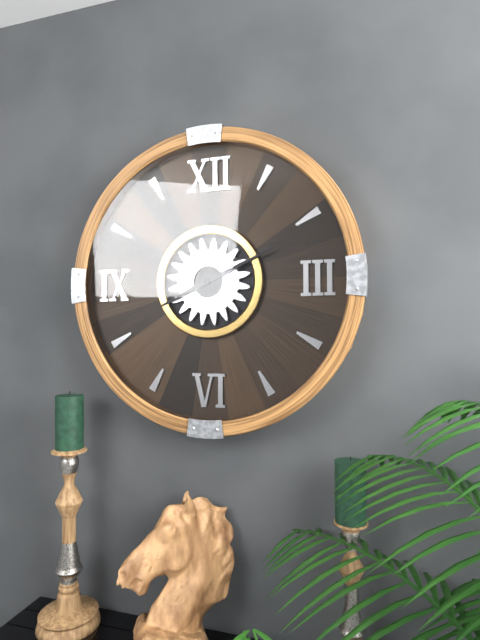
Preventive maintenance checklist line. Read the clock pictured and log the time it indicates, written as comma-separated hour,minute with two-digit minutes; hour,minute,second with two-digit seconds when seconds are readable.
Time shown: 8,11
